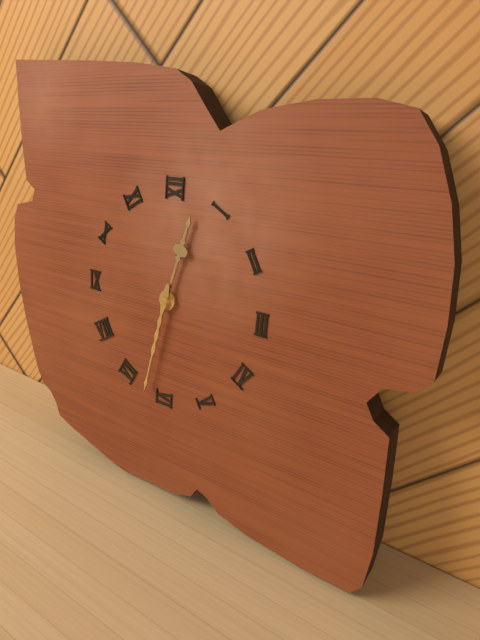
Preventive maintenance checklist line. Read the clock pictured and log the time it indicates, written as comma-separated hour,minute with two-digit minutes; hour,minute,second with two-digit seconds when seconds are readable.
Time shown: 12,32
